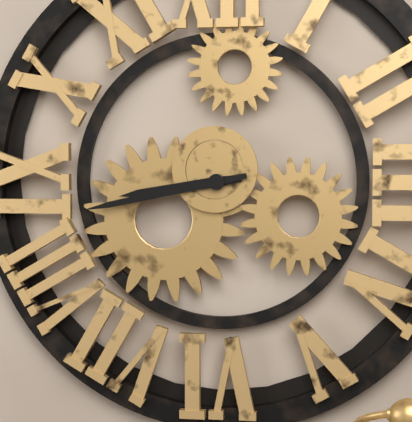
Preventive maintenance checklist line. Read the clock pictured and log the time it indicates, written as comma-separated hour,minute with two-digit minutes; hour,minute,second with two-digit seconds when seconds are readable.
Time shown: 8,43
